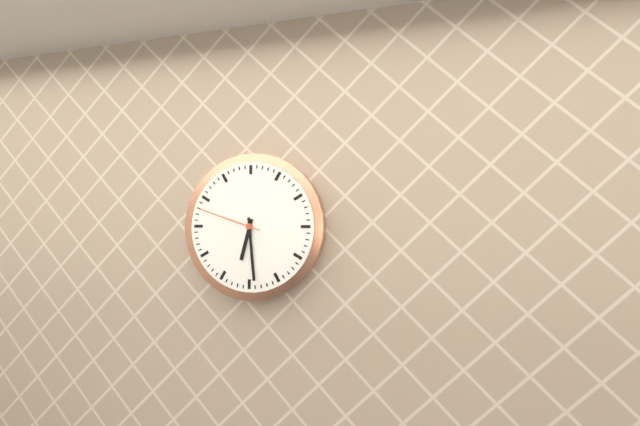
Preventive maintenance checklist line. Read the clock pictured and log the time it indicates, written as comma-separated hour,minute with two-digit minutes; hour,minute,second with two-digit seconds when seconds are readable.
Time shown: 6,29,48
